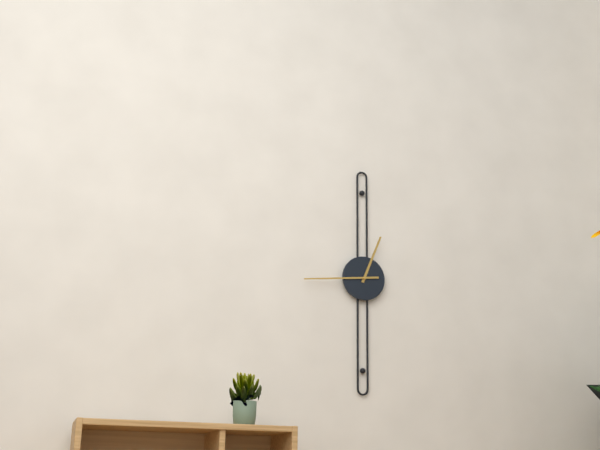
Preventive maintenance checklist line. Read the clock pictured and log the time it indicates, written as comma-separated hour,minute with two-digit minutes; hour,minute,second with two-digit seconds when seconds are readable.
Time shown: 12,44
